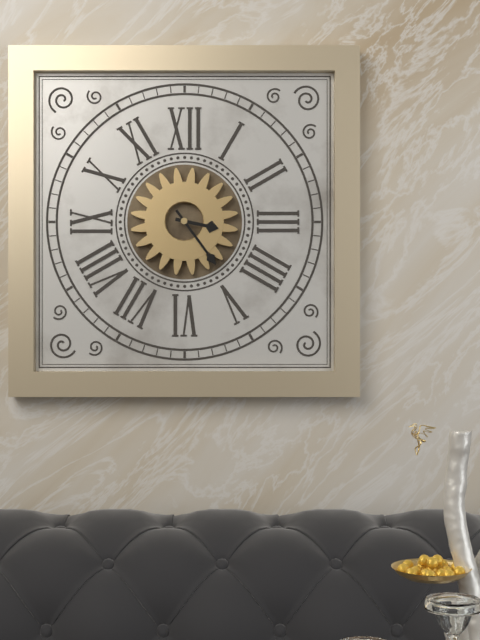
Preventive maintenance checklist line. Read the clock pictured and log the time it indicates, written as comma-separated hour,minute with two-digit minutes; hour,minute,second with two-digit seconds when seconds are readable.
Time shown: 3,24
